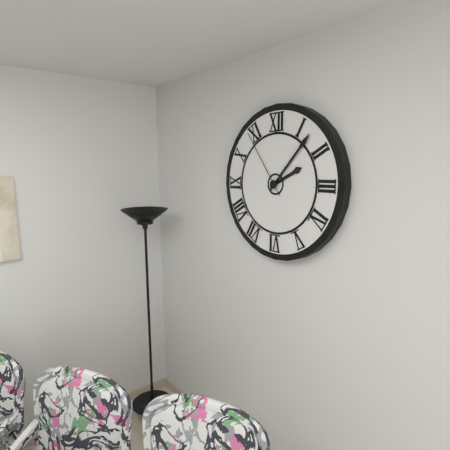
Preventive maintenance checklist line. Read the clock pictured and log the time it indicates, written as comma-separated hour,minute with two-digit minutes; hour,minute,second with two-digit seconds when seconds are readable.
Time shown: 2,07,54
